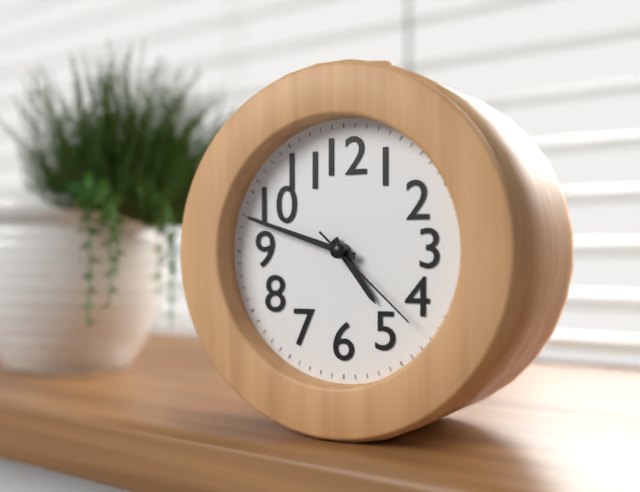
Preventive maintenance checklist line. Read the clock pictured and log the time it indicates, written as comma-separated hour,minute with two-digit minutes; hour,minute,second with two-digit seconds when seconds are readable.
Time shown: 4,48,22
